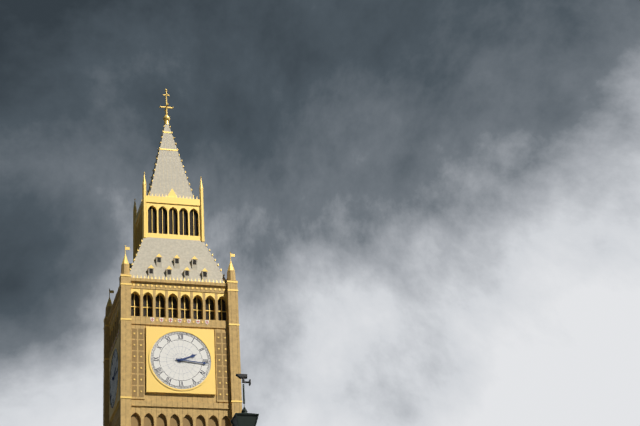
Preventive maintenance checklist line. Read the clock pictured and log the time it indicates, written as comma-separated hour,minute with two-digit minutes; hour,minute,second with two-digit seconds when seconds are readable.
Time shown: 2,16
